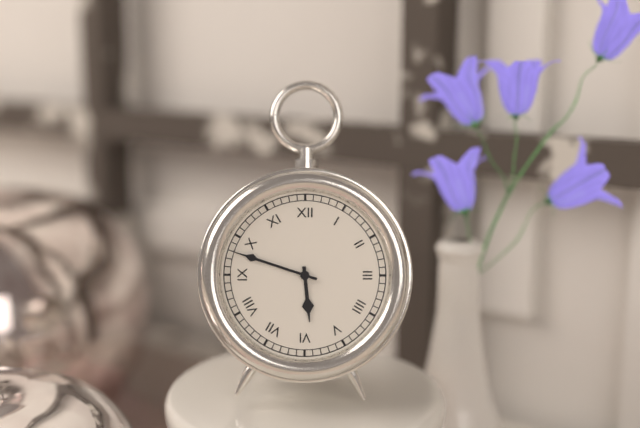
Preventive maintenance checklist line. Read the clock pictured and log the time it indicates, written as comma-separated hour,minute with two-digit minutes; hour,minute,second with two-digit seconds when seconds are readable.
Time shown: 5,48
